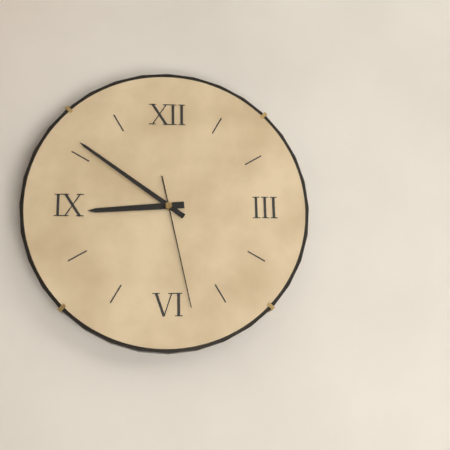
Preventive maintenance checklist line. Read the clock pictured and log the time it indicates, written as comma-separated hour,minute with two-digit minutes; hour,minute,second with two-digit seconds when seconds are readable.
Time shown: 8,51,28
